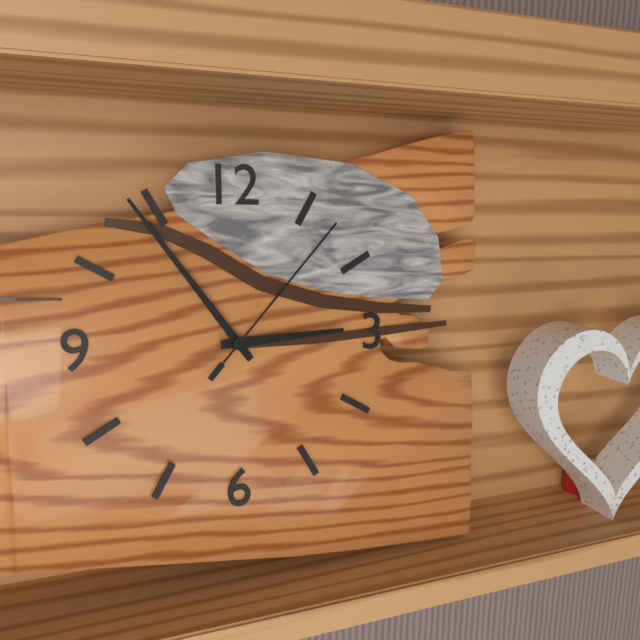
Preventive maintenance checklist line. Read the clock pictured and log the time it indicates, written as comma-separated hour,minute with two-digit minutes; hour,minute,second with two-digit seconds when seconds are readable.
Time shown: 2,54,07
